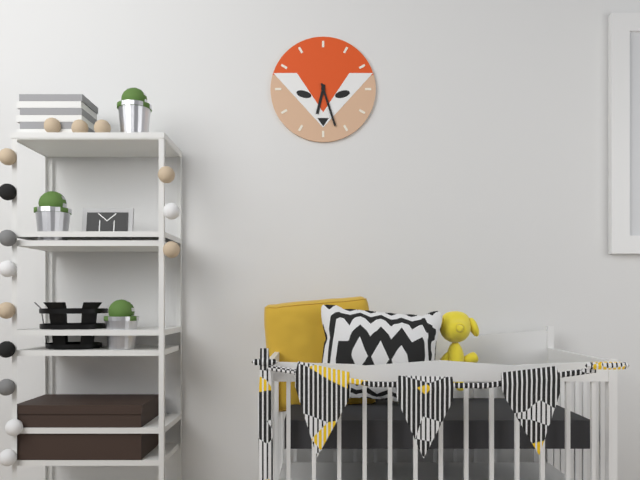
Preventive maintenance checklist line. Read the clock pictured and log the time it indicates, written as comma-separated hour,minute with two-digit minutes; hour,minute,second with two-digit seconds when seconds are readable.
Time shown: 6,27
